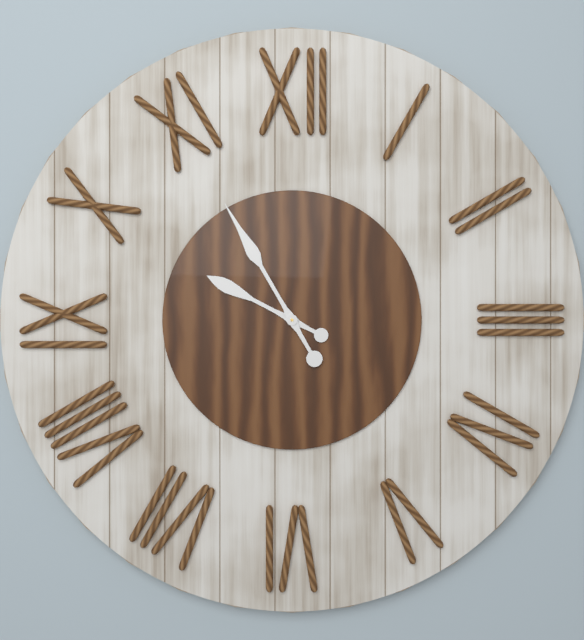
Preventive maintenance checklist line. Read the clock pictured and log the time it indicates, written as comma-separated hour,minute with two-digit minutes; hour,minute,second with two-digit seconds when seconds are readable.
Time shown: 9,55
